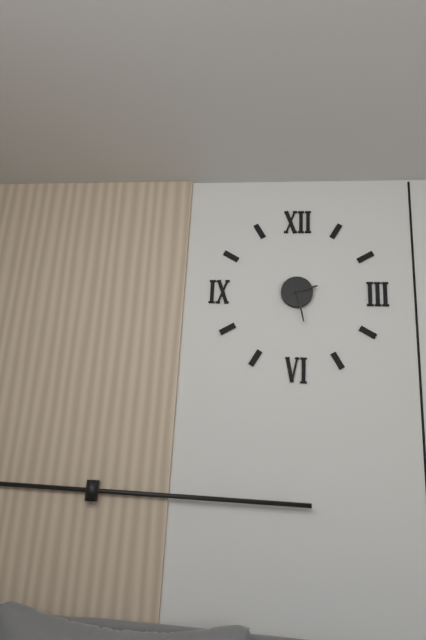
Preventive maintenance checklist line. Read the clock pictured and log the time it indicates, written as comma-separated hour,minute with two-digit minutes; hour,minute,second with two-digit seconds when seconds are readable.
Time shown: 2,28
